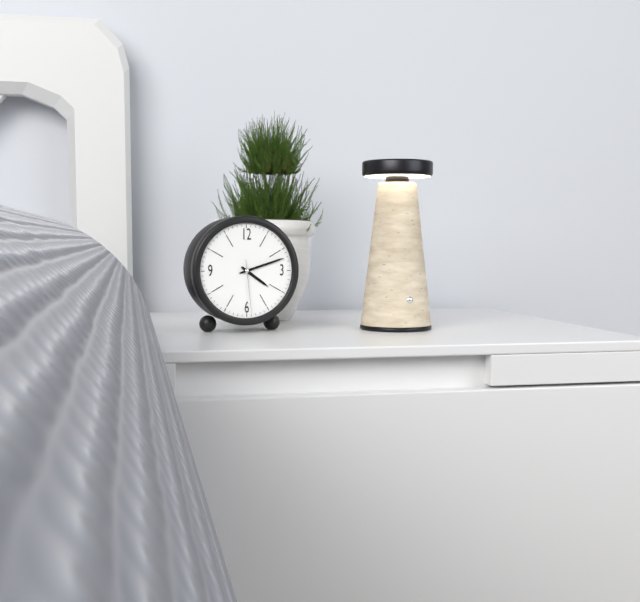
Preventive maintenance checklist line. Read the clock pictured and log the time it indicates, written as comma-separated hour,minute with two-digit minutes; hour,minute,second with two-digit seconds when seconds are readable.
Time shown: 4,12,29
